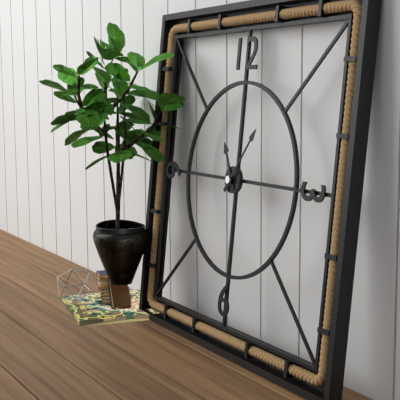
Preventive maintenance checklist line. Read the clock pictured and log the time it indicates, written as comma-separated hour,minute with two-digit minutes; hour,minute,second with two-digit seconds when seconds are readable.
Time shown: 11,06
